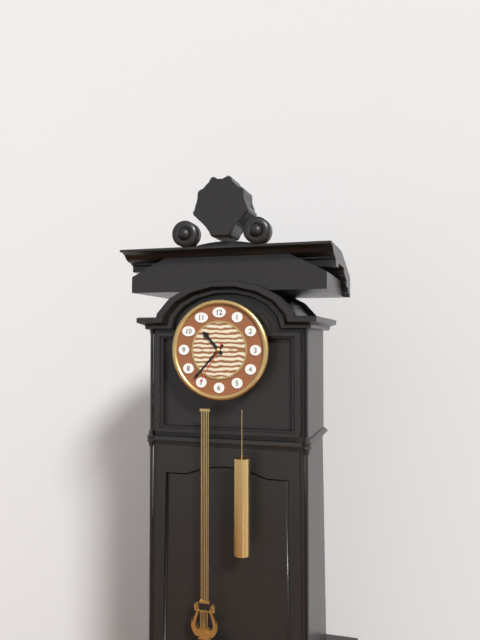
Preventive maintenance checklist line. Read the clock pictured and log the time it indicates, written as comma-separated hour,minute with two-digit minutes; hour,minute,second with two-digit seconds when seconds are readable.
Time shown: 10,37
